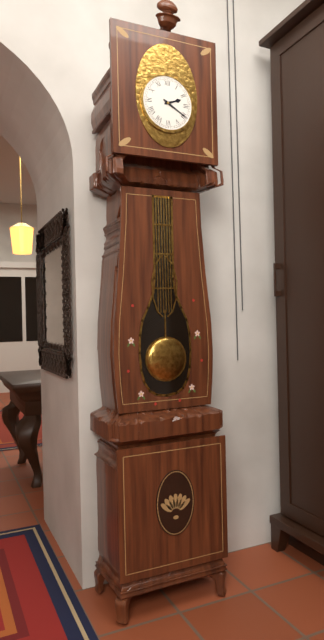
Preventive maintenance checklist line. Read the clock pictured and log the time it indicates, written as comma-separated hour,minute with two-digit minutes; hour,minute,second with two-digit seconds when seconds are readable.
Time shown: 2,20
